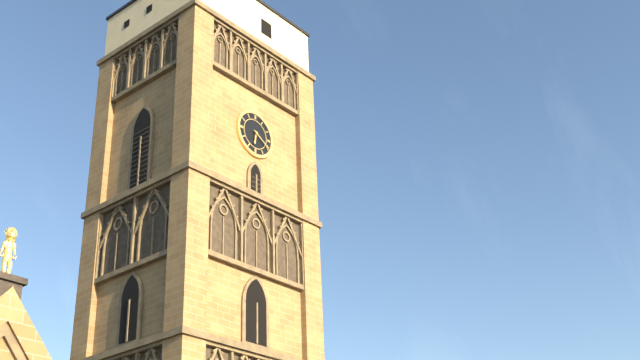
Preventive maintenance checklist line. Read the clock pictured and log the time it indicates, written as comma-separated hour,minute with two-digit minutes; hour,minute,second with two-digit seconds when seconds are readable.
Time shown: 6,20
